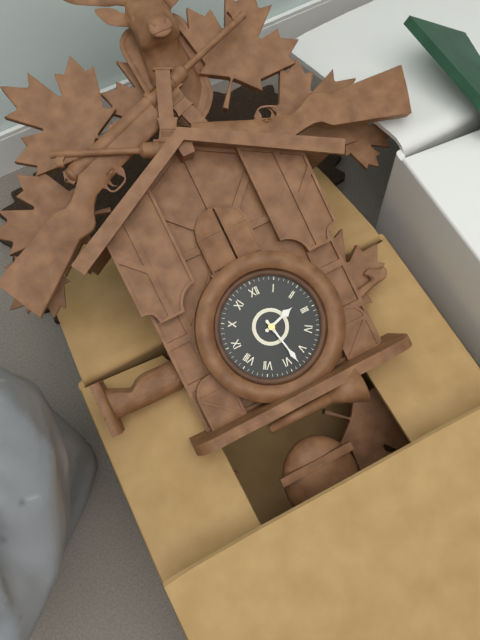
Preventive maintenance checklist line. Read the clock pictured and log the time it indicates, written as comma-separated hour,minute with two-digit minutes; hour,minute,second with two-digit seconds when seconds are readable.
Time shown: 2,28
